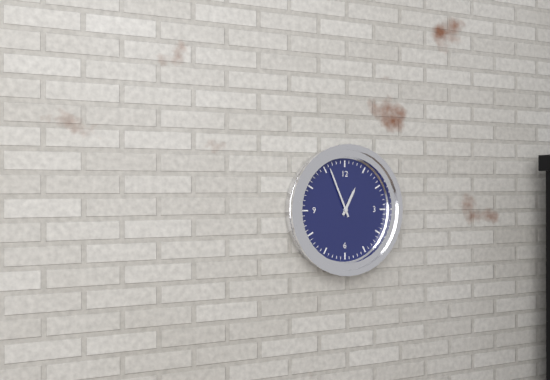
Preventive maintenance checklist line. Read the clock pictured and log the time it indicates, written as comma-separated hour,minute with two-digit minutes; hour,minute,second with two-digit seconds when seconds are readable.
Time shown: 12,56
